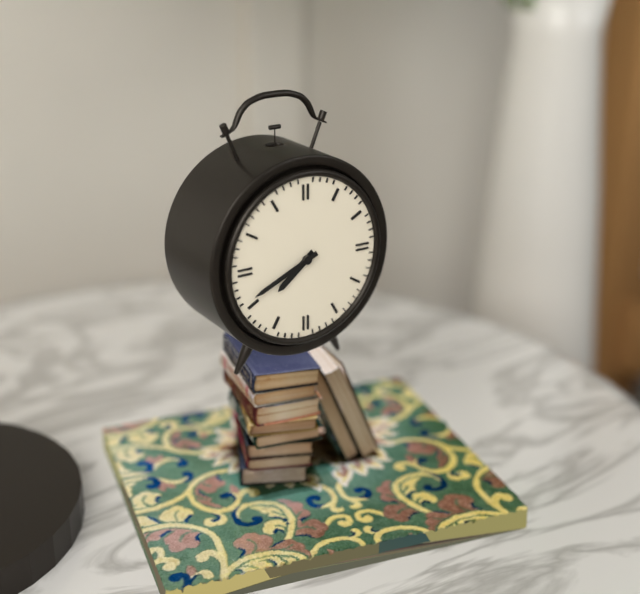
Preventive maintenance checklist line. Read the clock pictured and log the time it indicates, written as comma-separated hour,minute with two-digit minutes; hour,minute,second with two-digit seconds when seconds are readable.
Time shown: 7,41
